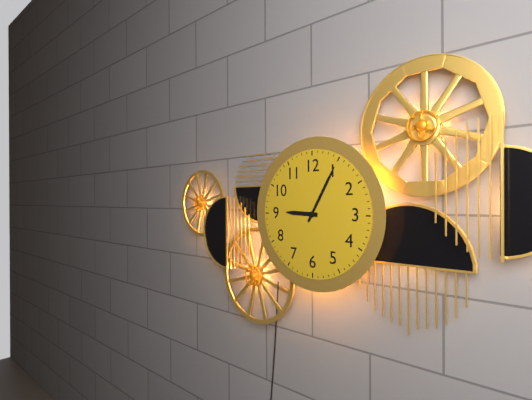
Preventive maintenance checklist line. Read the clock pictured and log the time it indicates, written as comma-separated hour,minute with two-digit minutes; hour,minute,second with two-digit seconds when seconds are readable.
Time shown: 9,05
